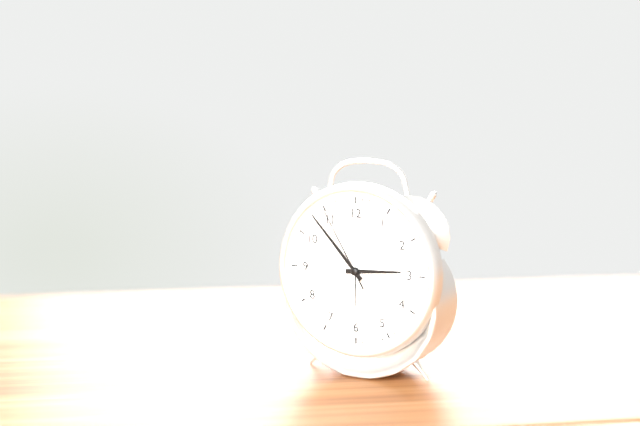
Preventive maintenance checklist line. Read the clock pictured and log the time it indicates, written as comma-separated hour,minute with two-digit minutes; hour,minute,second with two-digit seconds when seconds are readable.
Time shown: 2,53,55
